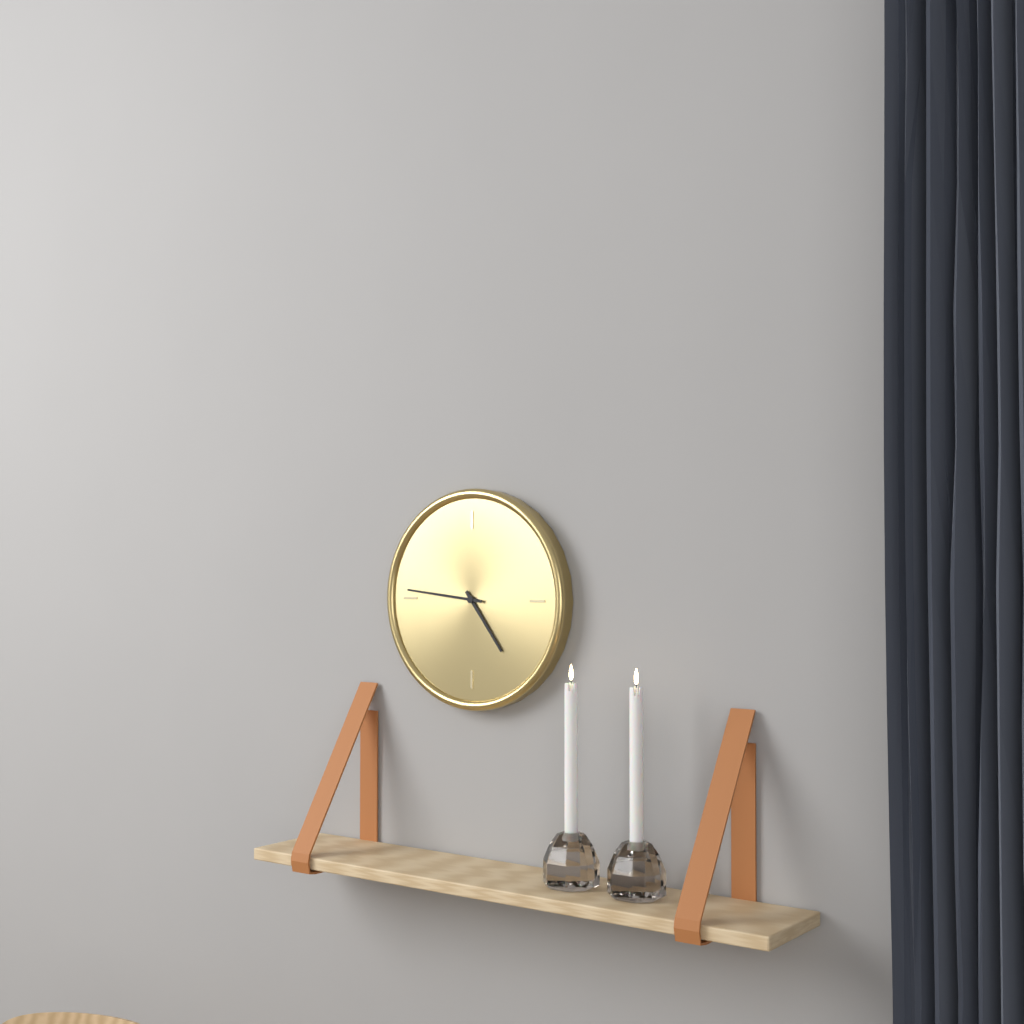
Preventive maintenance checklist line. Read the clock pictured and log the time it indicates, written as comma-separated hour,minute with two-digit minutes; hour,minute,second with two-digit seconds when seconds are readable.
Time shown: 4,46
